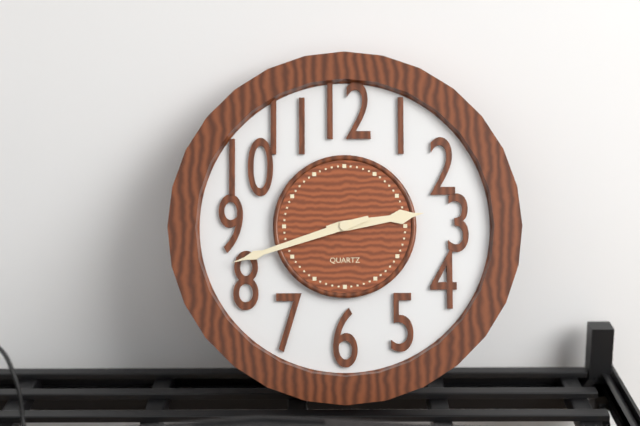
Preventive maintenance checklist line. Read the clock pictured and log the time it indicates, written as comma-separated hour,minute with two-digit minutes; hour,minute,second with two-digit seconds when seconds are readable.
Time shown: 2,42
